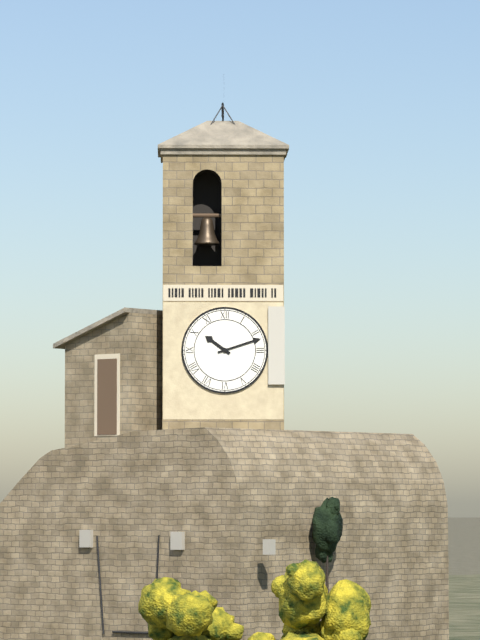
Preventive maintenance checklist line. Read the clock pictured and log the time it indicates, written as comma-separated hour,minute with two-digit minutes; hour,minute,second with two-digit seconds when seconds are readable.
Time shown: 10,12
